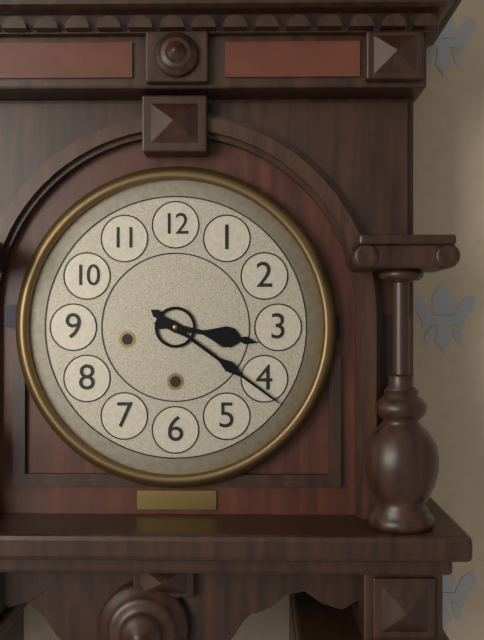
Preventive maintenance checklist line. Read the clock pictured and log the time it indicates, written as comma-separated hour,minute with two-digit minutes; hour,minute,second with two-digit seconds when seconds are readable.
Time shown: 3,21
